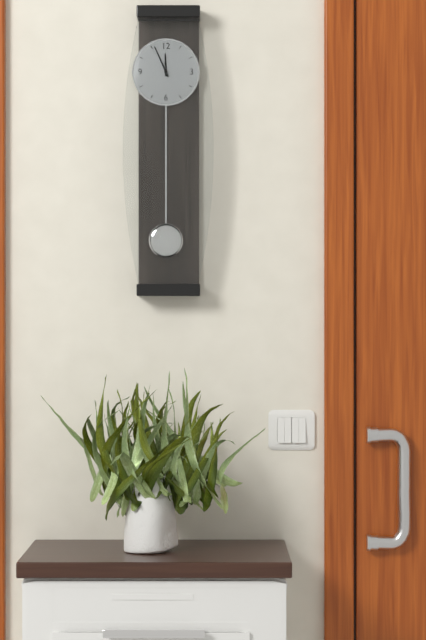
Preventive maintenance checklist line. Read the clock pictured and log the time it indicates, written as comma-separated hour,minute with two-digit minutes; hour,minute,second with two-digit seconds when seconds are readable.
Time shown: 11,56
